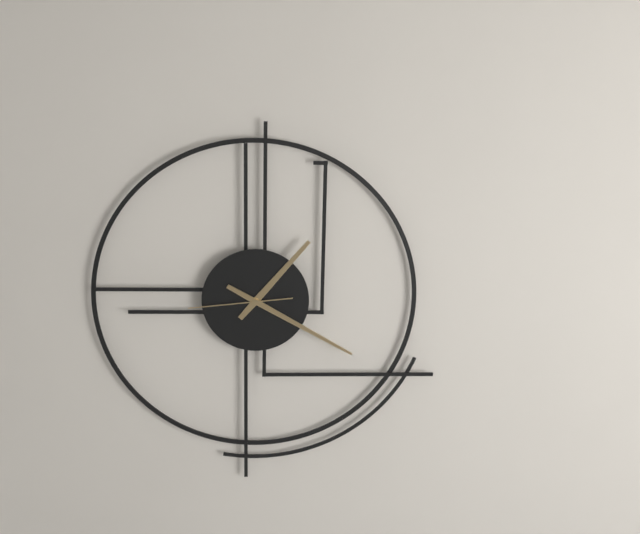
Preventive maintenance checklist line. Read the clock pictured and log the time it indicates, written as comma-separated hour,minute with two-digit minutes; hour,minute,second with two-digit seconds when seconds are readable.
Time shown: 1,20,44
